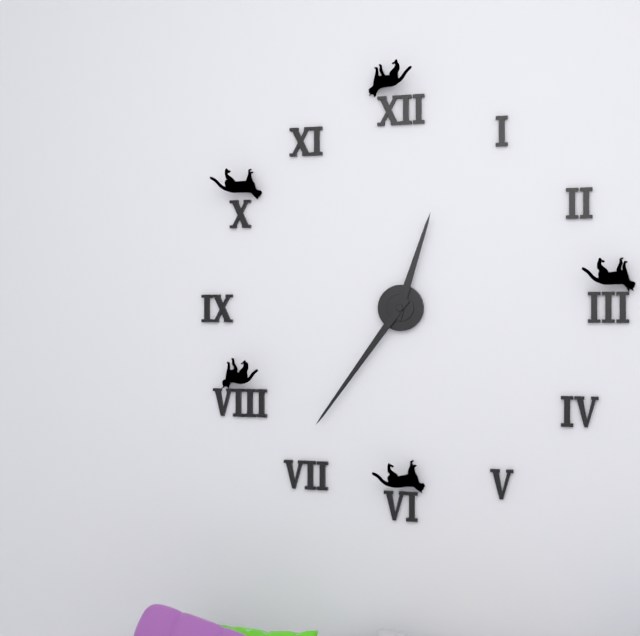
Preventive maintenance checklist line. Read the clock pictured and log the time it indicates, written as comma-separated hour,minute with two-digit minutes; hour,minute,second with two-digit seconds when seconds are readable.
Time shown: 12,36
